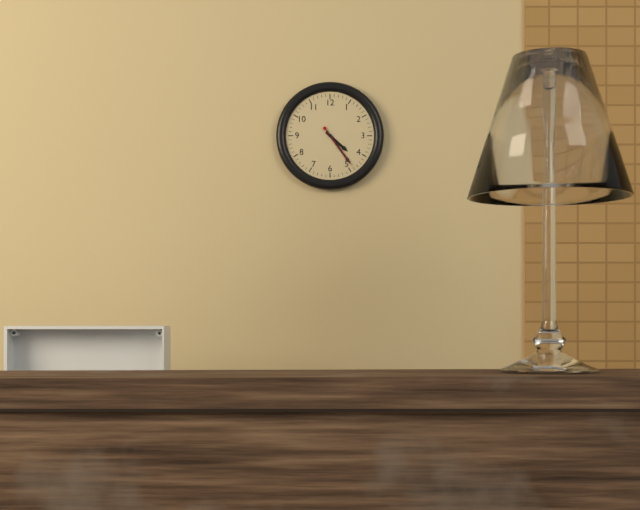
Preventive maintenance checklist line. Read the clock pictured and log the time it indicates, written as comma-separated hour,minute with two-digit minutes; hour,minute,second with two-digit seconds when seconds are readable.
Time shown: 4,24
